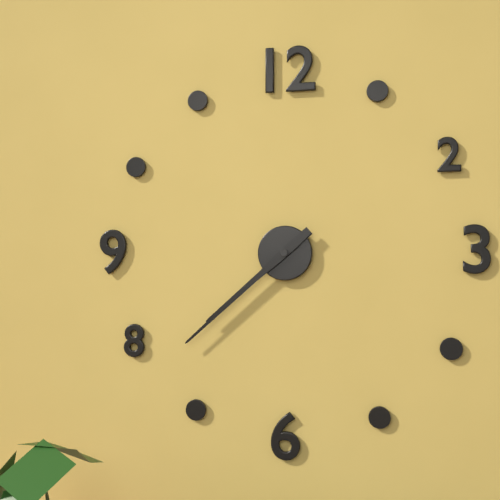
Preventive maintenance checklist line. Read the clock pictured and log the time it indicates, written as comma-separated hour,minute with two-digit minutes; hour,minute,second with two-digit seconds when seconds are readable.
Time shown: 7,38
